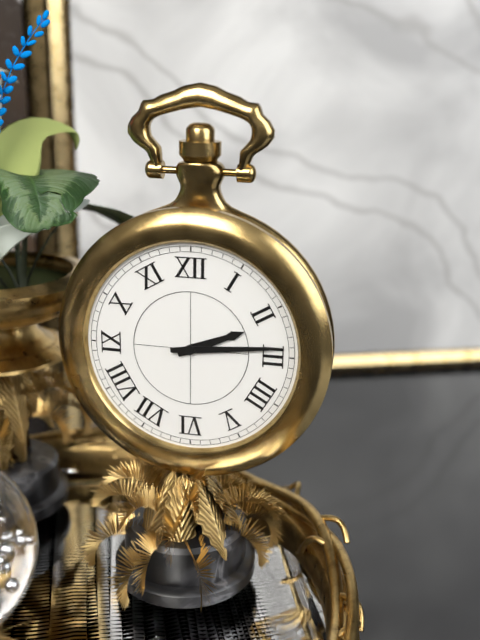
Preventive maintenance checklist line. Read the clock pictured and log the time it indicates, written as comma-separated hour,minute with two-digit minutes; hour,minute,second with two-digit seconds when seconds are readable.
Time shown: 2,14
